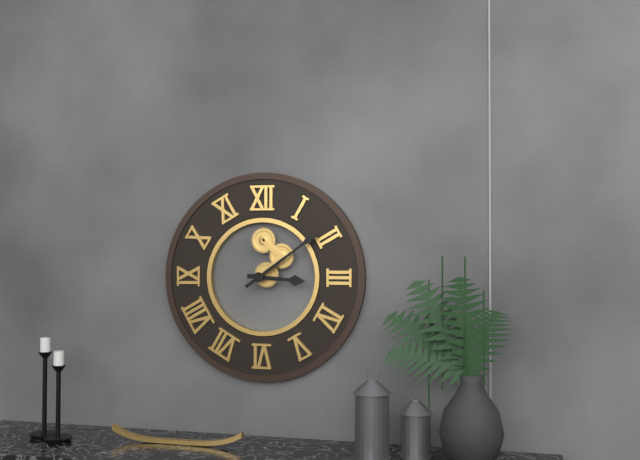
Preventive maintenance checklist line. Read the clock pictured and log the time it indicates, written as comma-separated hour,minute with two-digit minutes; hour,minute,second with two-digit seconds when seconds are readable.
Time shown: 3,09
